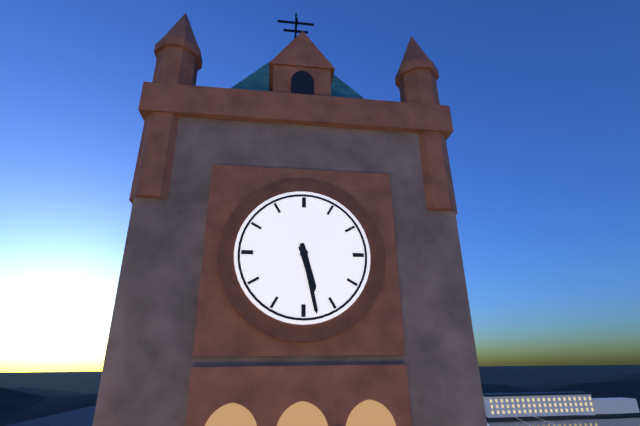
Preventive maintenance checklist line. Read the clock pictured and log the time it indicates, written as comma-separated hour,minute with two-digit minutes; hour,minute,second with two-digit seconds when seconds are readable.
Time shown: 5,28
